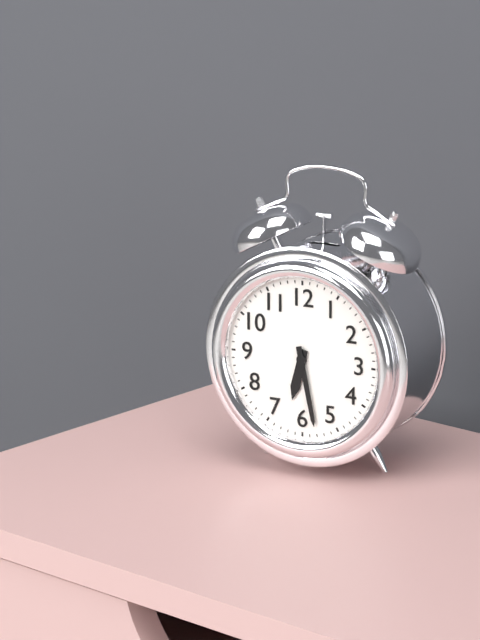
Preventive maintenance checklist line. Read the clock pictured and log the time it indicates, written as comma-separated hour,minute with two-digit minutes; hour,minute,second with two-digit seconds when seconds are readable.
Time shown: 6,28
